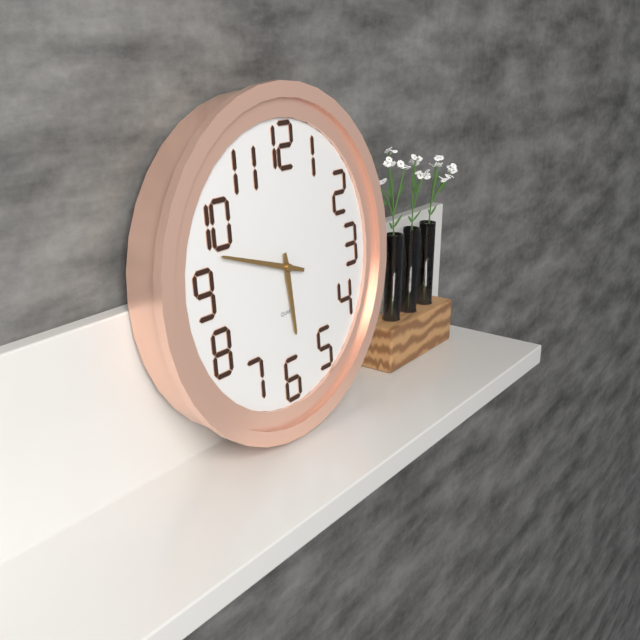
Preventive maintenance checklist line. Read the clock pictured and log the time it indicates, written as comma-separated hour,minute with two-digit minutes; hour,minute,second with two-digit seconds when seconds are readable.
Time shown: 5,48
